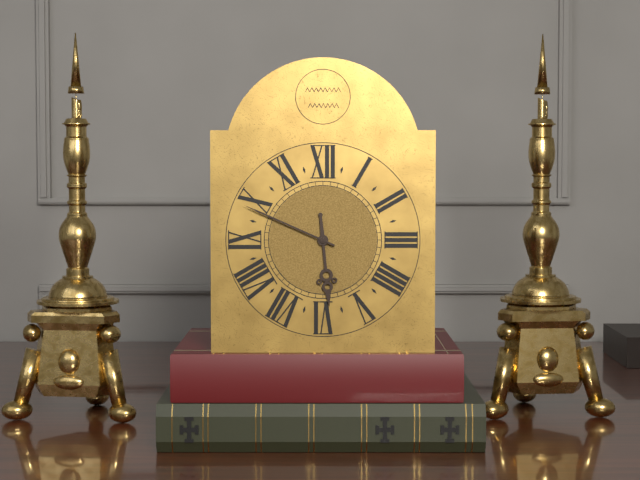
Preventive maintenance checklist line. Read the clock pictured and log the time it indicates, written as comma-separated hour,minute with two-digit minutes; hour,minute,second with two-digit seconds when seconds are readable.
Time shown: 5,49
